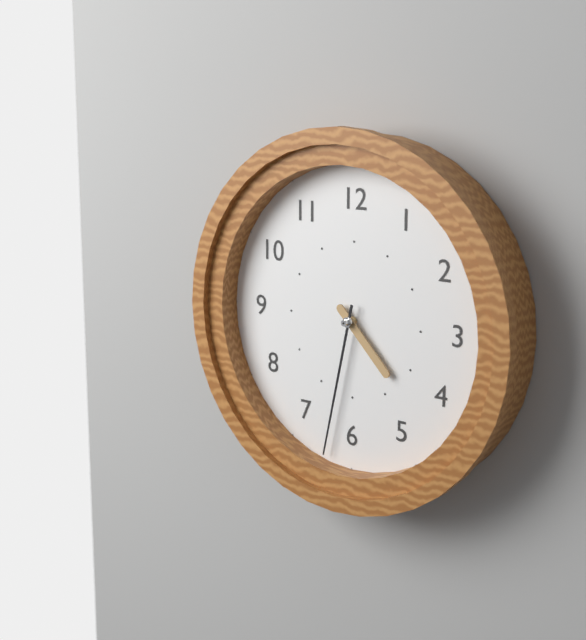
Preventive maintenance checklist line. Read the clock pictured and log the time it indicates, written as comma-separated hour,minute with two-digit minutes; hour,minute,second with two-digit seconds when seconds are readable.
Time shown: 4,32
